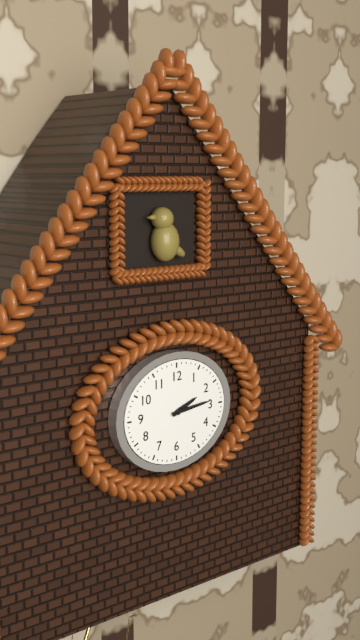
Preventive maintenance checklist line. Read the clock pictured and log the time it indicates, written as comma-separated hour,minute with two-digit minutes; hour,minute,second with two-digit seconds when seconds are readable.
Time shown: 2,14
